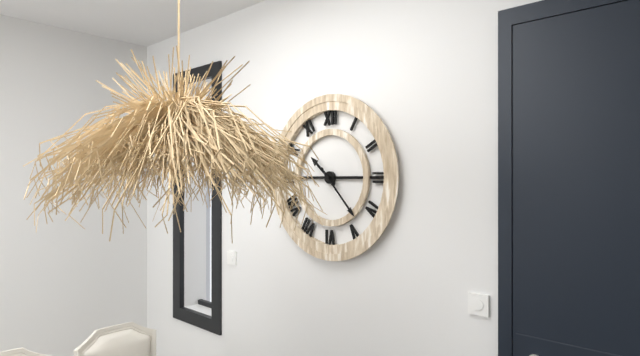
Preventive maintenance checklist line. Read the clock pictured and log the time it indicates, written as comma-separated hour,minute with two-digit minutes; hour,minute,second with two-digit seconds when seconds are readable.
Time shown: 10,23
